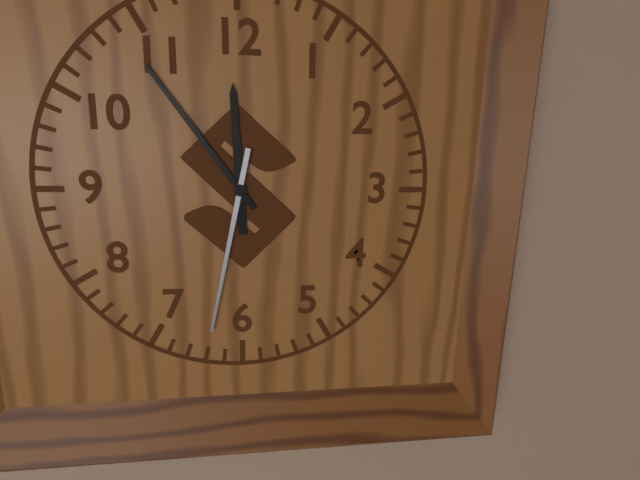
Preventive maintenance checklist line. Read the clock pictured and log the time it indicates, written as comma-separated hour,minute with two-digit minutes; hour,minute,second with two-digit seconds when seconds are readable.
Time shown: 11,54,32
